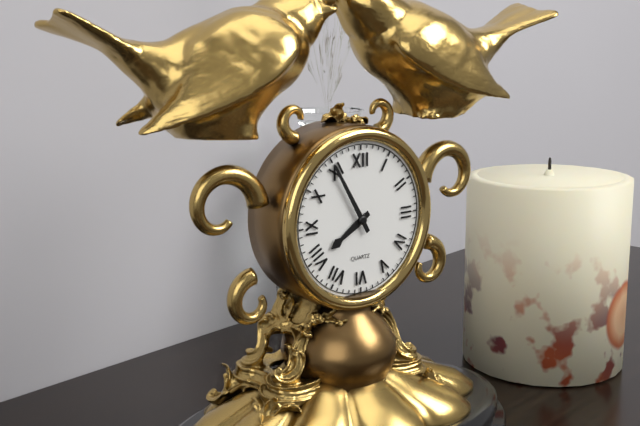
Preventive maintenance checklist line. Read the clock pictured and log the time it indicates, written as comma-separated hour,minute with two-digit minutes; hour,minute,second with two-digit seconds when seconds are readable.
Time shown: 7,55
